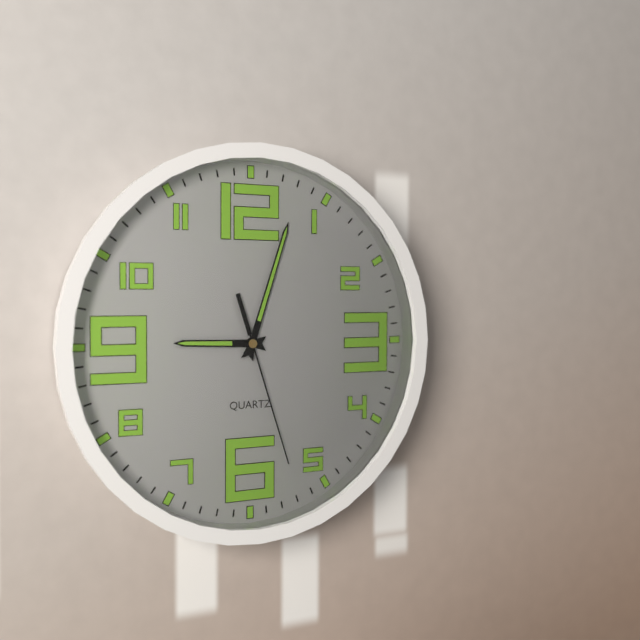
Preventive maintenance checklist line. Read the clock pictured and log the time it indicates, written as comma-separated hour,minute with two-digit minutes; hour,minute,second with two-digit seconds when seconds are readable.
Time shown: 9,03,27
